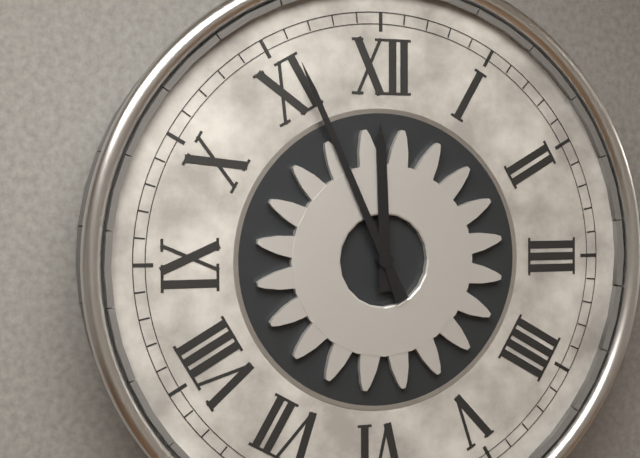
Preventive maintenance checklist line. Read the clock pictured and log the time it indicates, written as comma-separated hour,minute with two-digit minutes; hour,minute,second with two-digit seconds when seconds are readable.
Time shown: 11,56
